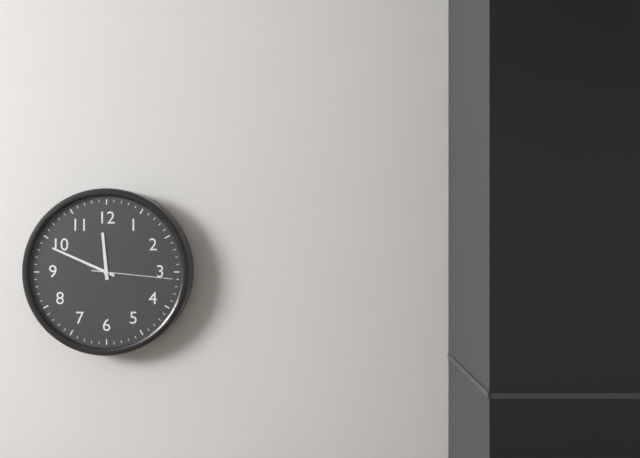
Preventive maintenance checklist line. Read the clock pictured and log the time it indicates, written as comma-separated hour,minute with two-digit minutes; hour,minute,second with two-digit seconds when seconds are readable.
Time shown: 11,49,16
